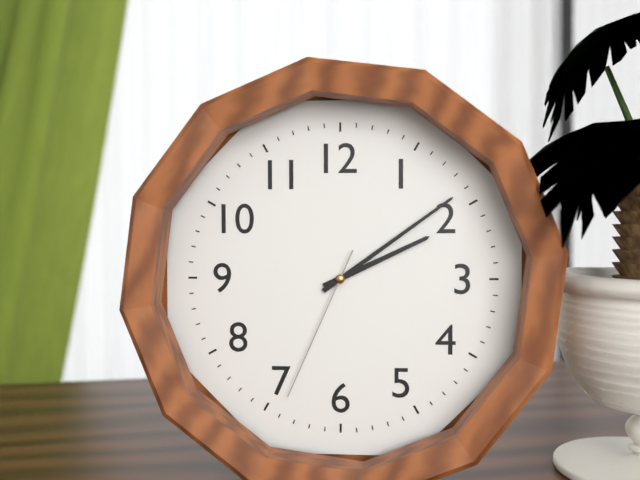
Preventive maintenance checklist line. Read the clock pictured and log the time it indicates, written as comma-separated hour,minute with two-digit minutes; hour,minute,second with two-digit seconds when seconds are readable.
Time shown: 2,09,34
